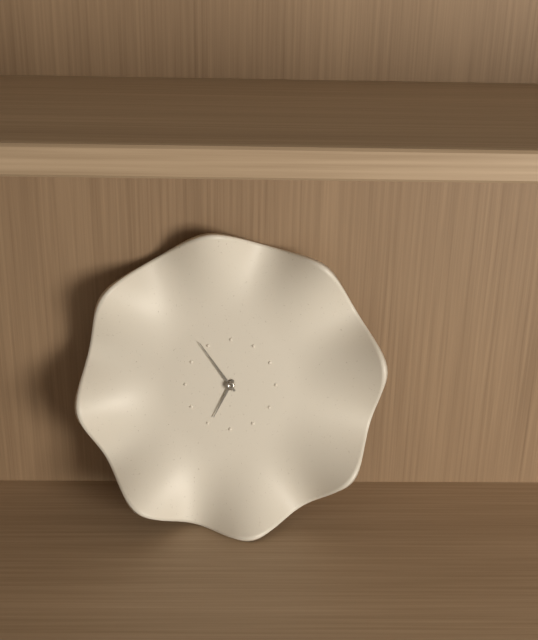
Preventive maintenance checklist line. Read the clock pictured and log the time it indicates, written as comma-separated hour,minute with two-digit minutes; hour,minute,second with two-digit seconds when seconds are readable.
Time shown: 6,54
